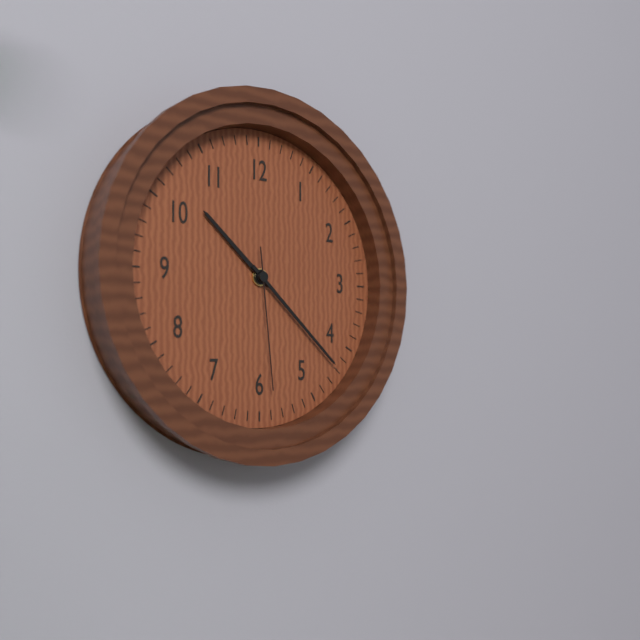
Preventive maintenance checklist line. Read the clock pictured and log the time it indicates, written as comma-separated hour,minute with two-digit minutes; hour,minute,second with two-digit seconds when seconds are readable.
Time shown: 10,22,29
